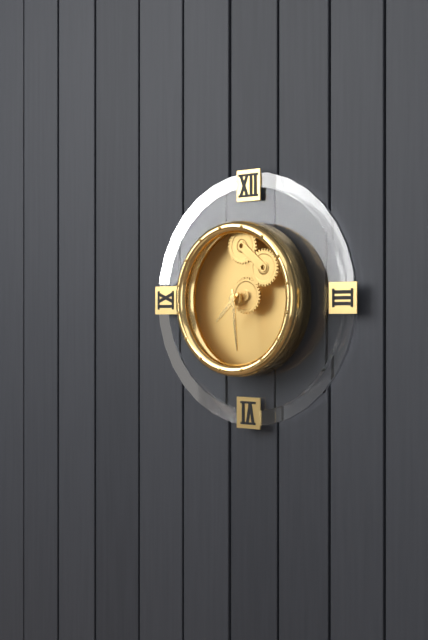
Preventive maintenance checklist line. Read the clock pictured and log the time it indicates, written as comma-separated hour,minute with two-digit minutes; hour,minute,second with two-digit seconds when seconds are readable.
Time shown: 7,29
